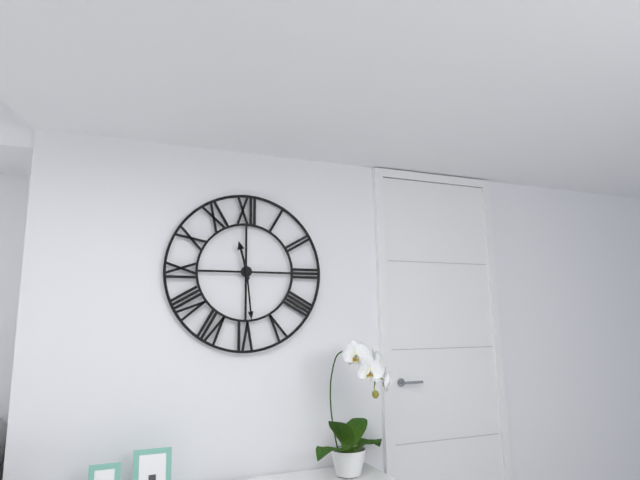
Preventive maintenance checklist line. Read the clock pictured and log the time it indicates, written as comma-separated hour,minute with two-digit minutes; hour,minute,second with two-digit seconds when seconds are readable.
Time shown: 11,29
